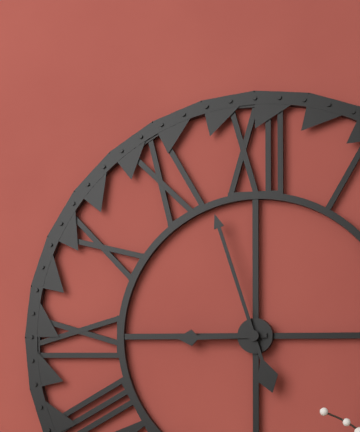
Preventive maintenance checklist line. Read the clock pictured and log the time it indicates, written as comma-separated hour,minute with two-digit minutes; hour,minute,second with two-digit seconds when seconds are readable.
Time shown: 8,57
